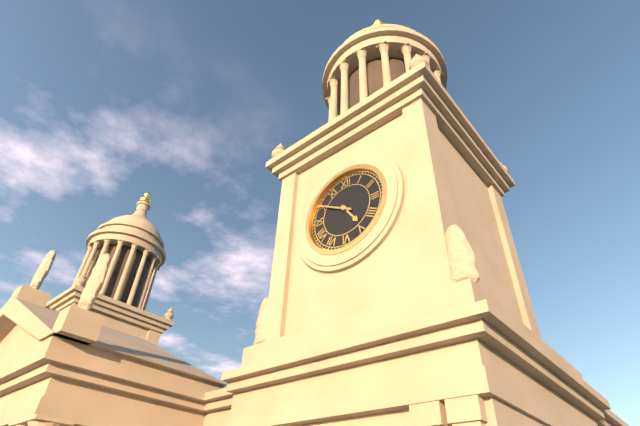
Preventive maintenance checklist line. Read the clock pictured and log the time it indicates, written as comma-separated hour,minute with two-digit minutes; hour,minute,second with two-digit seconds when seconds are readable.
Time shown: 4,50
